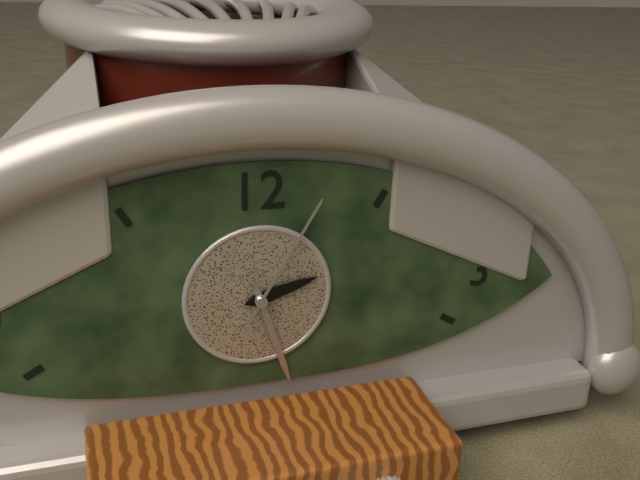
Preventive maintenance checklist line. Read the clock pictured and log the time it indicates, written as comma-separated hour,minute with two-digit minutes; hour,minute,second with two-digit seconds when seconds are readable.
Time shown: 2,27,05
